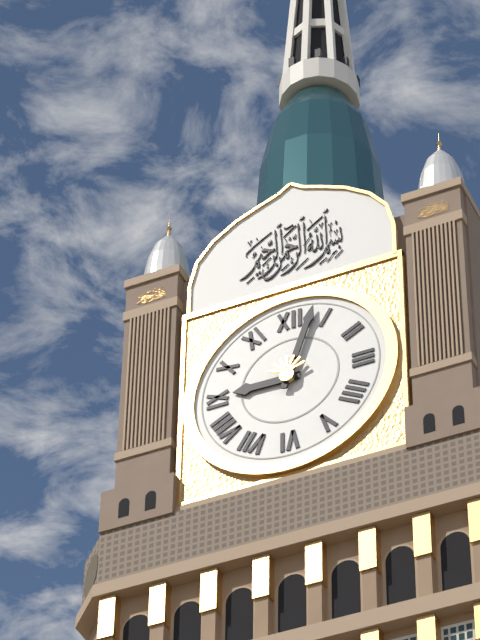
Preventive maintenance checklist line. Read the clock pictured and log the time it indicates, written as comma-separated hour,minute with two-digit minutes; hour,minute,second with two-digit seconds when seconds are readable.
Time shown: 9,03
